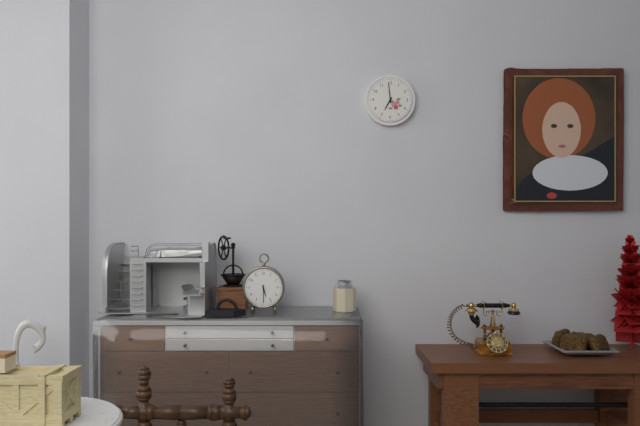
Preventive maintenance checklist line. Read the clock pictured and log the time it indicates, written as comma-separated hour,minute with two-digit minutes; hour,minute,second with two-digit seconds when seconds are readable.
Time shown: 6,59
